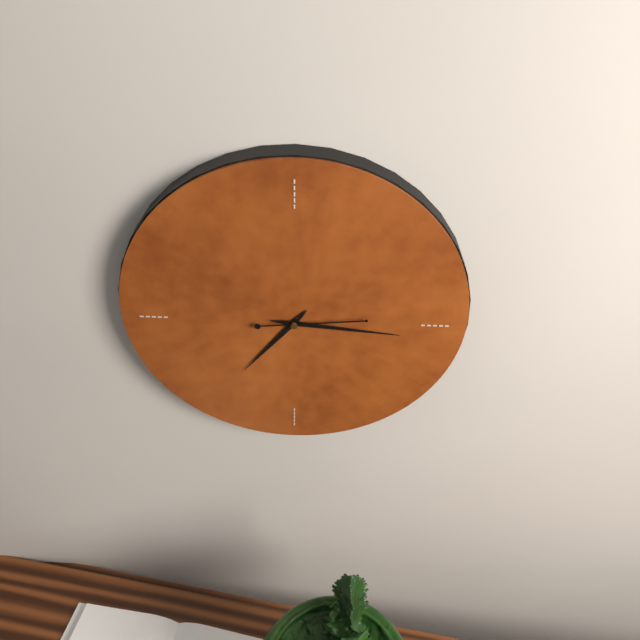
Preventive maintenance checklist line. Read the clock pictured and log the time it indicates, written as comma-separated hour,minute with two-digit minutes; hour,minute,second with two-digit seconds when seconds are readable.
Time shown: 7,16,14
